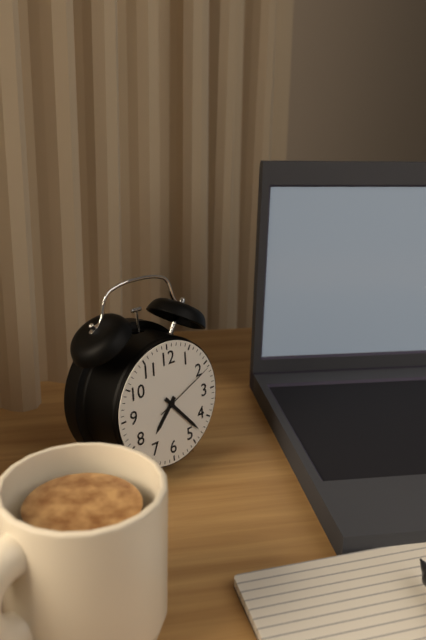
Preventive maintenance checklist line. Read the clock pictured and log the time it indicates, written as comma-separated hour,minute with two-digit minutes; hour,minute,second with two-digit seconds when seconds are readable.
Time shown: 7,23,11
